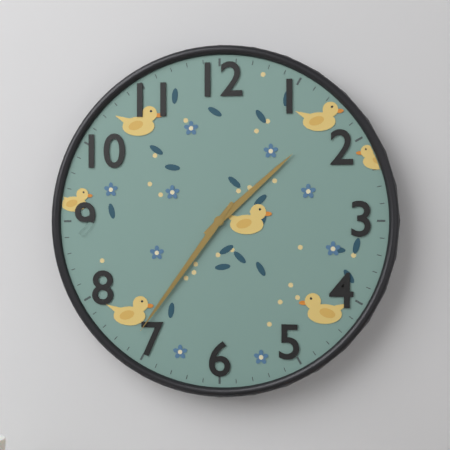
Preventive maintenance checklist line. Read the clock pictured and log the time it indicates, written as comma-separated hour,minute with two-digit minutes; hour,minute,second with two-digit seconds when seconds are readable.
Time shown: 1,36
